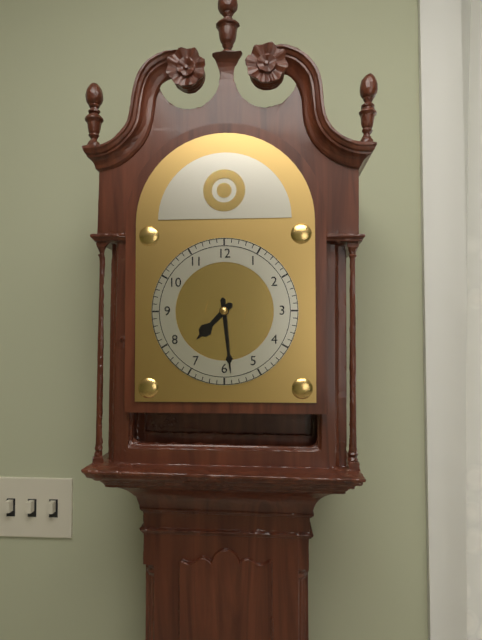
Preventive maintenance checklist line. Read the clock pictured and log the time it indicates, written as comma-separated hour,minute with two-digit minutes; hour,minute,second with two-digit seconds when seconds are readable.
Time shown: 7,29
